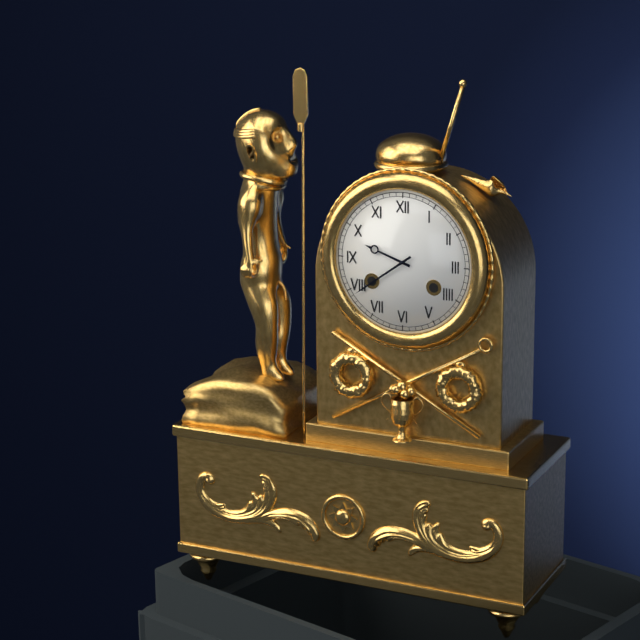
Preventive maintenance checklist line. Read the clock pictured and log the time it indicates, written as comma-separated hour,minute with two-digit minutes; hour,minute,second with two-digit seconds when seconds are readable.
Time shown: 9,39
